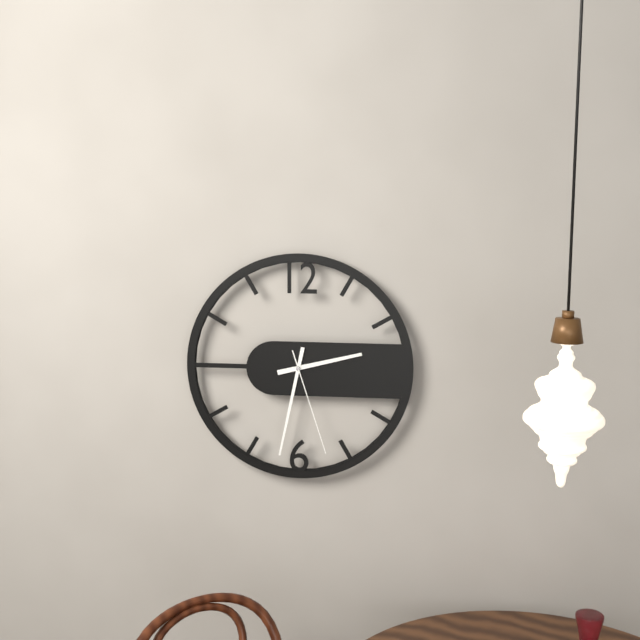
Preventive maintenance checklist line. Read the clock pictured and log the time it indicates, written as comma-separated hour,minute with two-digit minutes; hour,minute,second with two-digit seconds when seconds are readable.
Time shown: 2,32,27
